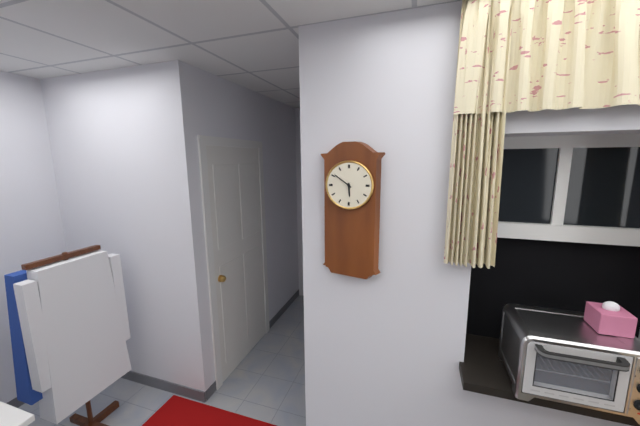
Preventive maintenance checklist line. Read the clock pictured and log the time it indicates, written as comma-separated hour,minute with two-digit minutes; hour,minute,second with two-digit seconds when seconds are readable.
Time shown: 5,51
